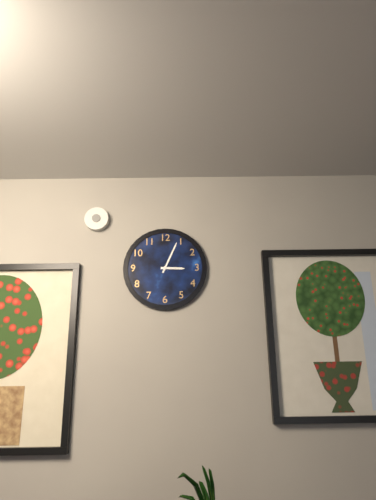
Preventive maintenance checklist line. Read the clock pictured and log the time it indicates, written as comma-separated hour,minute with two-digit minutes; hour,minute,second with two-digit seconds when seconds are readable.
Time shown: 3,04
